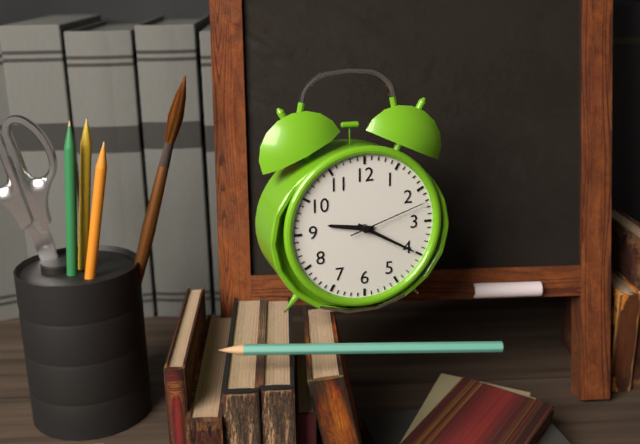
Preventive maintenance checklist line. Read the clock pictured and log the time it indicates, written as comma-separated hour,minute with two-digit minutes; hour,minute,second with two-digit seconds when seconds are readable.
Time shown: 9,20,12
